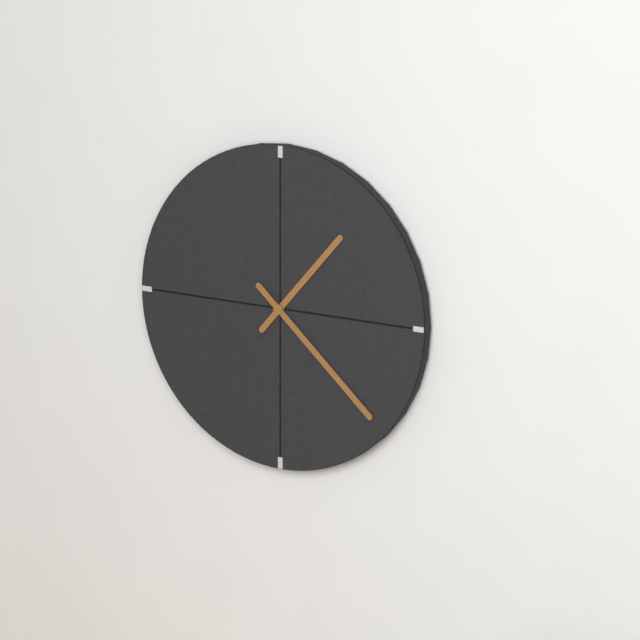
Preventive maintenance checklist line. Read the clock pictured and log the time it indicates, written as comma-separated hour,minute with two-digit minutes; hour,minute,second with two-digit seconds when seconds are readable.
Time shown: 1,22
